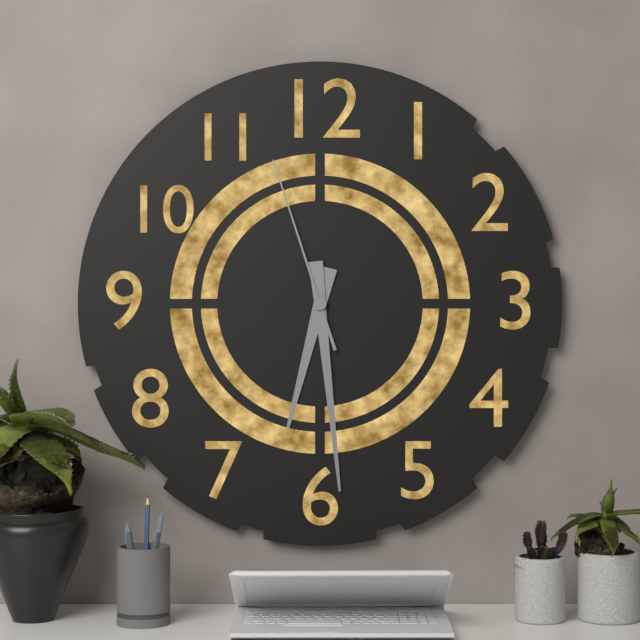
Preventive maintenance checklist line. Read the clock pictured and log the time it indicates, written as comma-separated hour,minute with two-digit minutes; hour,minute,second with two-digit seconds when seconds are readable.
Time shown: 6,29,57
